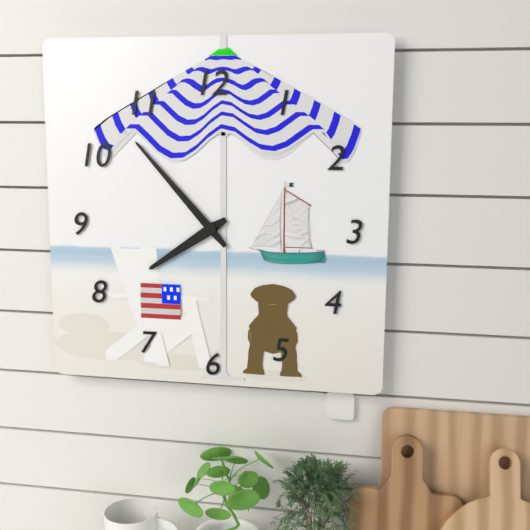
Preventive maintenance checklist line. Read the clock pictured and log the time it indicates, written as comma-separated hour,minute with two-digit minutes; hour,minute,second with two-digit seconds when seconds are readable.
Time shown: 7,53
